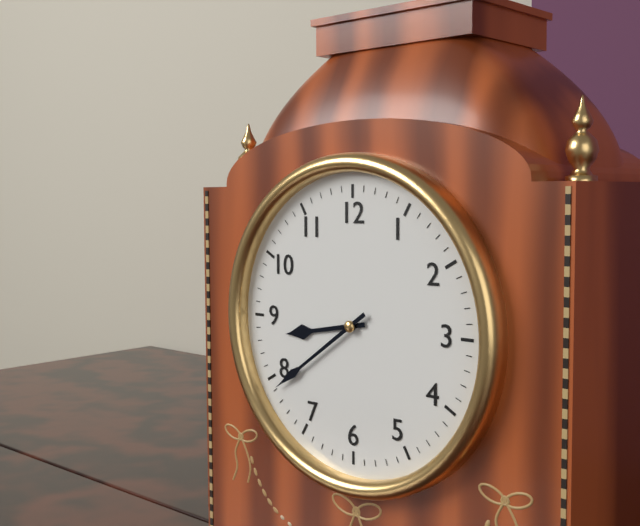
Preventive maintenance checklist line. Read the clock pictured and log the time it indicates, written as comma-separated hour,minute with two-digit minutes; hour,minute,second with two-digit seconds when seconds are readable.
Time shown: 8,39
